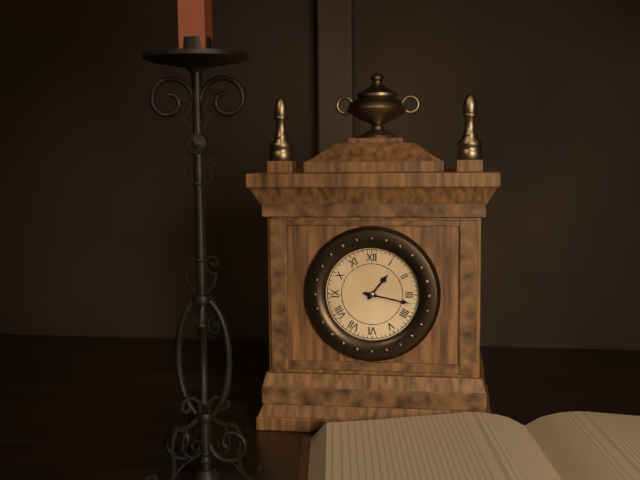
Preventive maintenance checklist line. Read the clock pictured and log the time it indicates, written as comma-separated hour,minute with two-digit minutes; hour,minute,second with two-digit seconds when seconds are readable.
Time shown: 1,17
